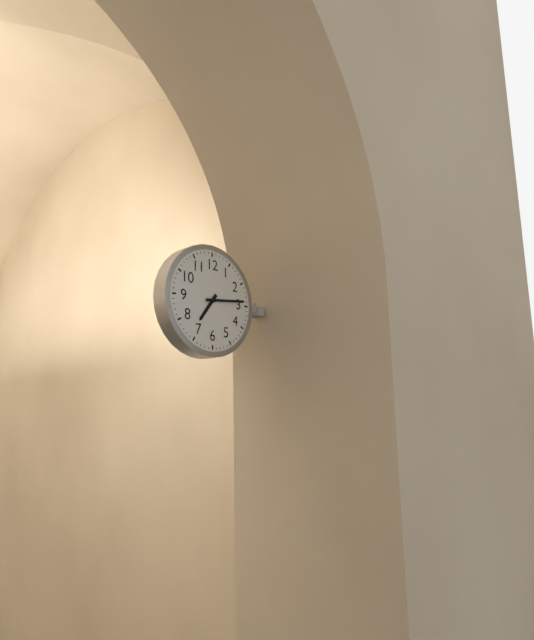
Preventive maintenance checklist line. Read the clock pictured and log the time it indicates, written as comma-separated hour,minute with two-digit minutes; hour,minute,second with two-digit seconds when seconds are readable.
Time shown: 7,14
